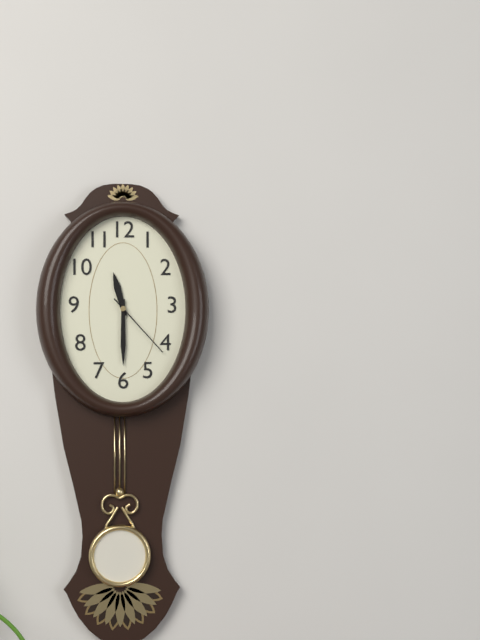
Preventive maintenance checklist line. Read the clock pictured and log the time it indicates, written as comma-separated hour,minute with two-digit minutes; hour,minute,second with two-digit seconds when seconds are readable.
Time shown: 11,30,23
